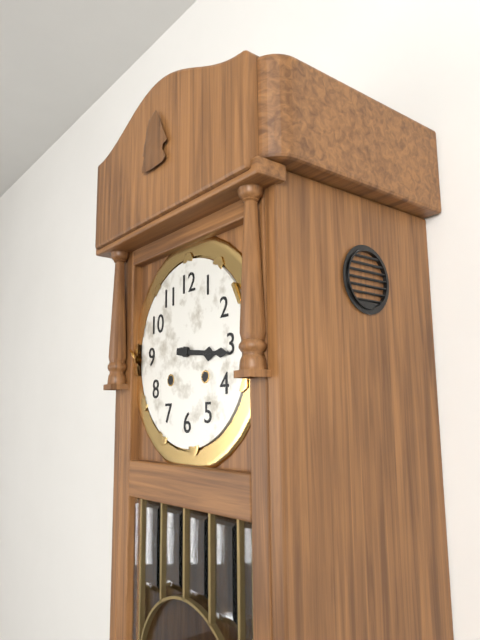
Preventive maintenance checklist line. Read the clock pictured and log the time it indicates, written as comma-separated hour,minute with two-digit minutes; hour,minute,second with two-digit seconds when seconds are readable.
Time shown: 3,16
